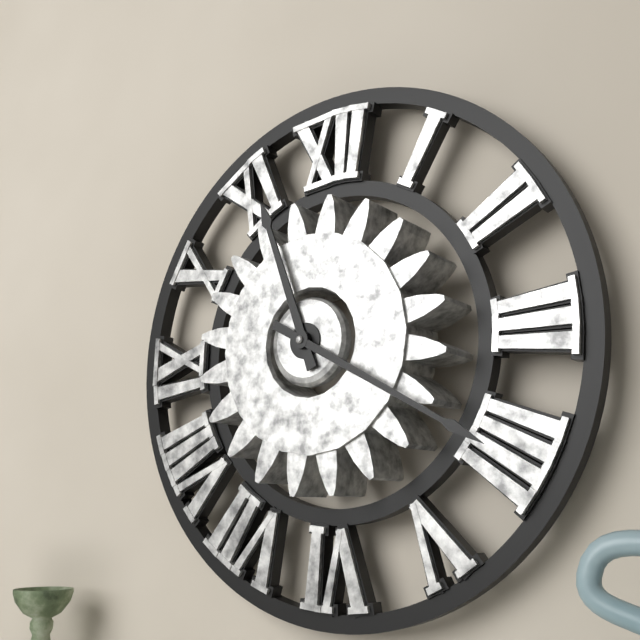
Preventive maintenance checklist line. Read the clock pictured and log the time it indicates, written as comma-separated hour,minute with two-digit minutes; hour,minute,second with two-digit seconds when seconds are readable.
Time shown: 11,20
